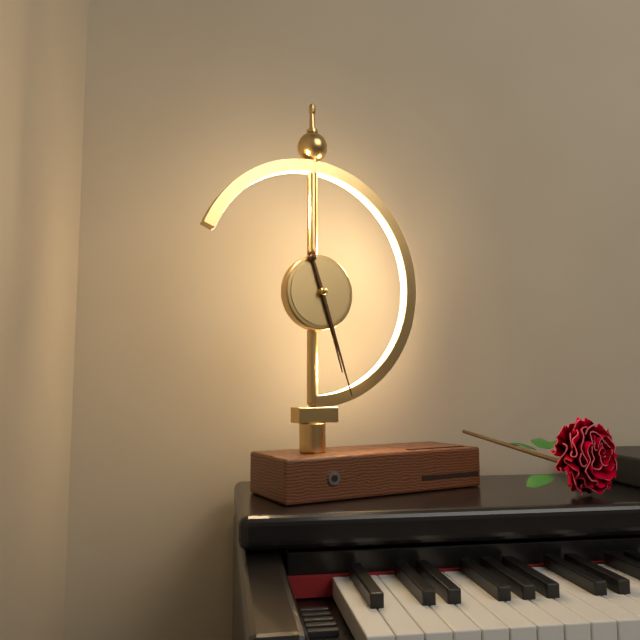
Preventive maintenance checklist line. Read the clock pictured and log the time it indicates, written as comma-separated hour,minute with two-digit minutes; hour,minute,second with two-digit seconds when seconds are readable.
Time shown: 5,27
